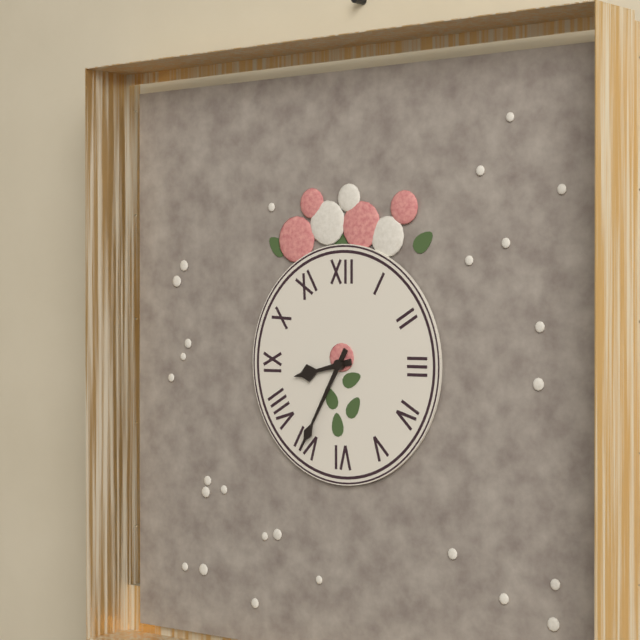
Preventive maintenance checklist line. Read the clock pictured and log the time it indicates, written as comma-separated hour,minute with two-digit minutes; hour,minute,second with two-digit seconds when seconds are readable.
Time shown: 8,35
